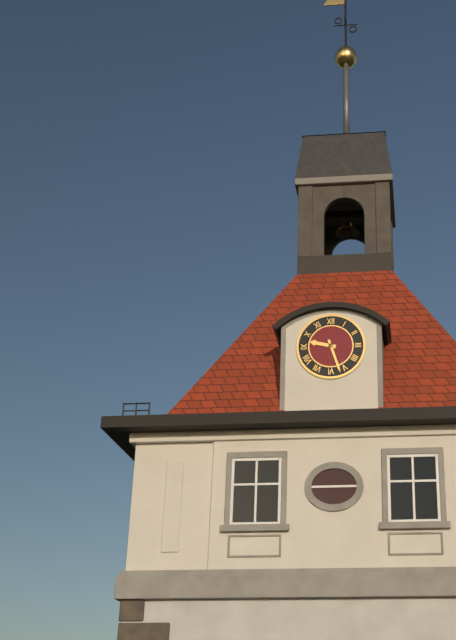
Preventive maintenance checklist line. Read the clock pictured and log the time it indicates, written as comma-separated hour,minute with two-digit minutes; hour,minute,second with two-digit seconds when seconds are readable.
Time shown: 9,27
